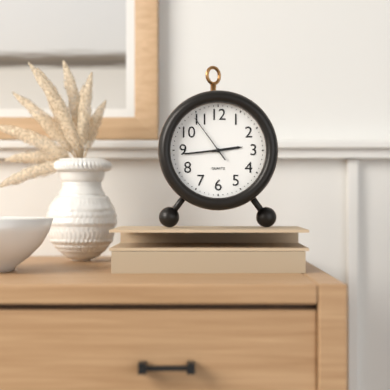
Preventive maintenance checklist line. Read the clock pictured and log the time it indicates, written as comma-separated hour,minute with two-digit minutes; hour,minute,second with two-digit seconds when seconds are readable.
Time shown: 2,44,54
